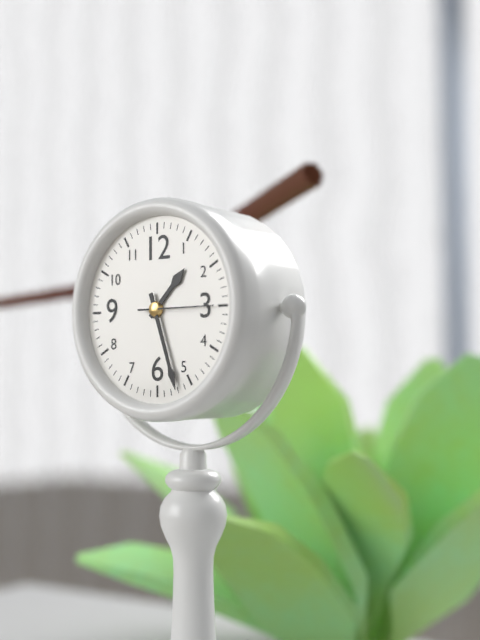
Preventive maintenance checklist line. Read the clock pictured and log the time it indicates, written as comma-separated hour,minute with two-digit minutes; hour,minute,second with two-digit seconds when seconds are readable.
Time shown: 1,27,15
